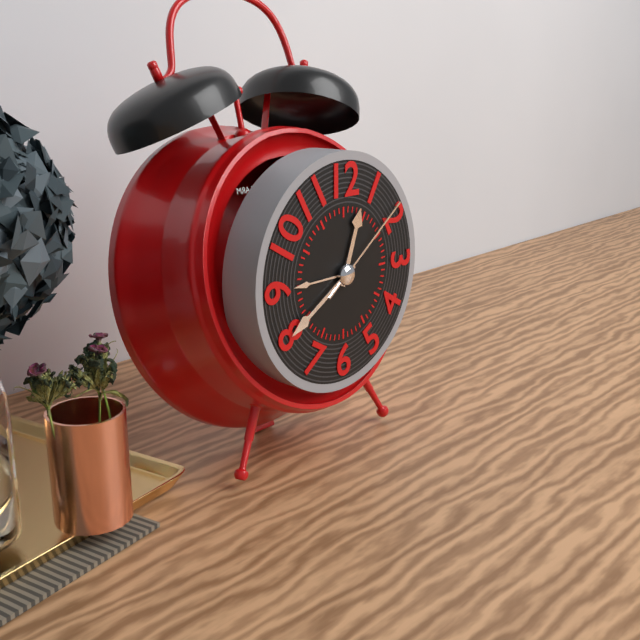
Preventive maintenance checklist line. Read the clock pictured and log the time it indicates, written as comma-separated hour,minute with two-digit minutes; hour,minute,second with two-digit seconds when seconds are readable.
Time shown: 12,40,09
